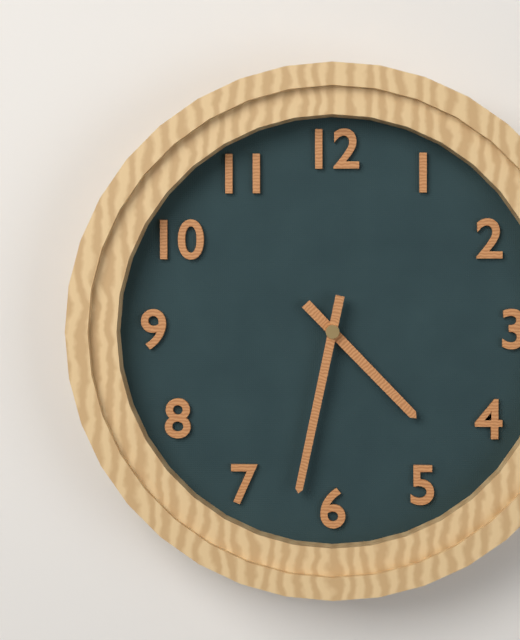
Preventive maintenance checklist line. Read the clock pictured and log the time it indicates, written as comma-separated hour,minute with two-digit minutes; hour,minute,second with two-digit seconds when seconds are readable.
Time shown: 4,32
